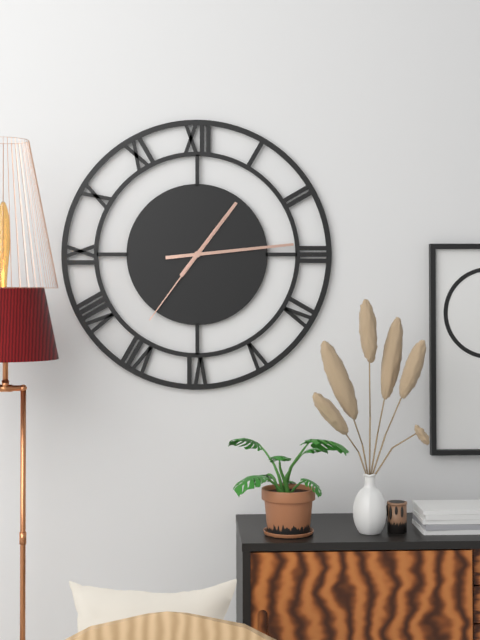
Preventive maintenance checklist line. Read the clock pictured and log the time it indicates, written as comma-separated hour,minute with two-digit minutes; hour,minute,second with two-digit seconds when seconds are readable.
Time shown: 1,14,36
